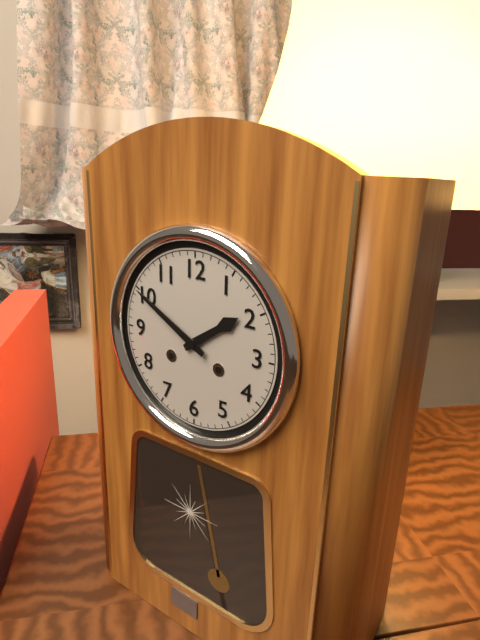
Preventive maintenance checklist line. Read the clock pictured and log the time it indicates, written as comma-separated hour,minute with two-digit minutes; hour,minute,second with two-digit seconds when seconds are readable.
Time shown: 1,50
